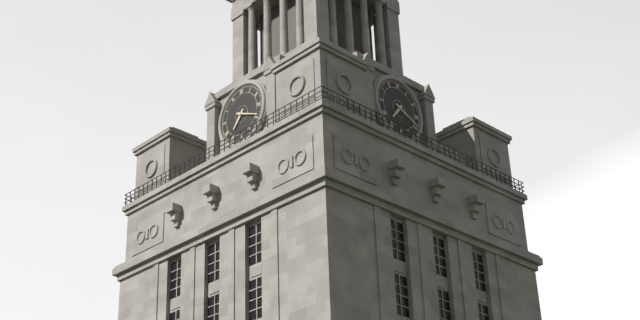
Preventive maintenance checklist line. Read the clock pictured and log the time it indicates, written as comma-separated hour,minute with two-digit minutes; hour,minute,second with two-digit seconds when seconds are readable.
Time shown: 7,19
